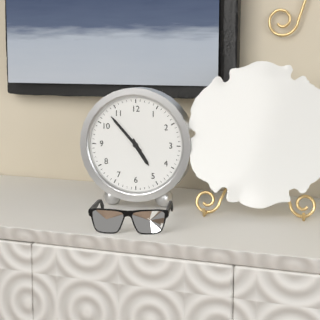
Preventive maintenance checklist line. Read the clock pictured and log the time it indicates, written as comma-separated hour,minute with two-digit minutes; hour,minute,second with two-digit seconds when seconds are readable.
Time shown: 4,53
